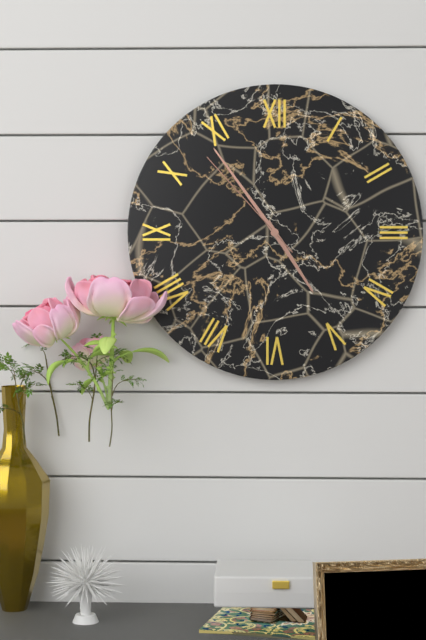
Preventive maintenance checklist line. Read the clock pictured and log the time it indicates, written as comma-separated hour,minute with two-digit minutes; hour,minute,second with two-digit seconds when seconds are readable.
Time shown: 4,54,53
